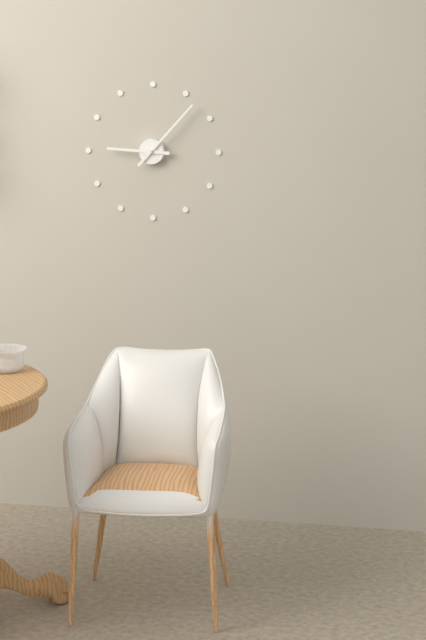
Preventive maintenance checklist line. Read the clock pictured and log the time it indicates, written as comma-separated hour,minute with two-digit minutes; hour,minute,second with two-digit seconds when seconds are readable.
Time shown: 9,07
